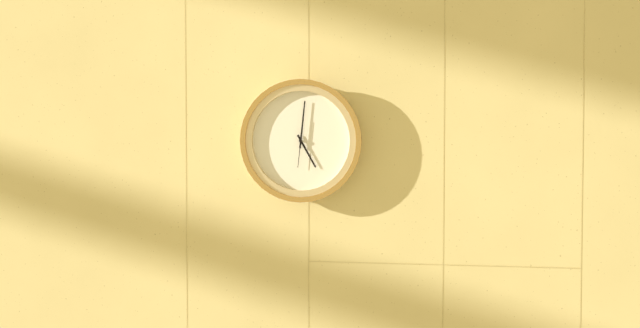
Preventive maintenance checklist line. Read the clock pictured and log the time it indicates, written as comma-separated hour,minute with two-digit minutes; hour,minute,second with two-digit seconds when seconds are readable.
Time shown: 5,01
